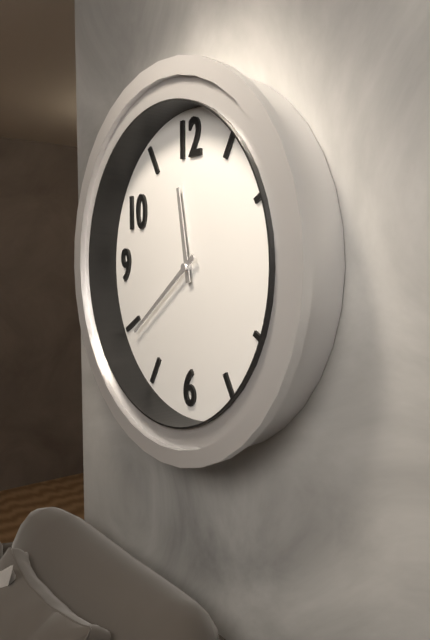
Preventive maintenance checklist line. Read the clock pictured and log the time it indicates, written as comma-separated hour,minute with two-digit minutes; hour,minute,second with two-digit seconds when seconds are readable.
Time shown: 11,39
